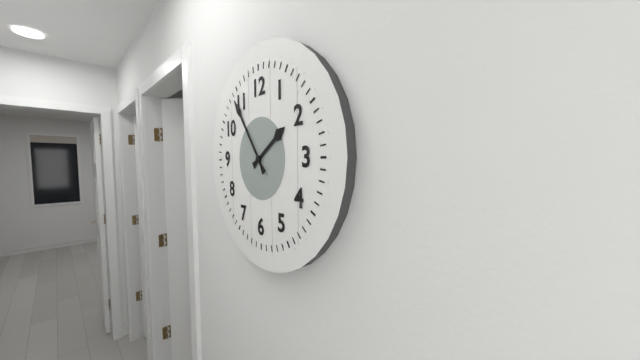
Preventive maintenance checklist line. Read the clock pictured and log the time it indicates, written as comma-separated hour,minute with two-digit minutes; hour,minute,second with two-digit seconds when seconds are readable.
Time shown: 1,54
